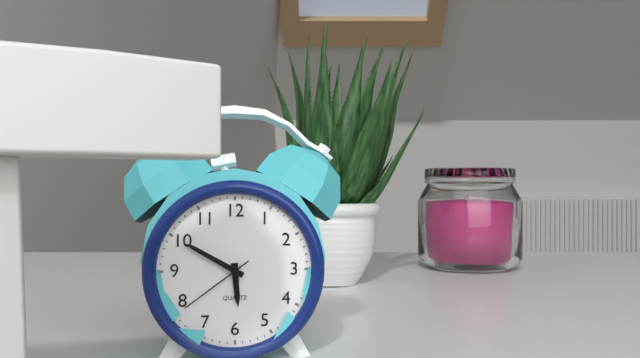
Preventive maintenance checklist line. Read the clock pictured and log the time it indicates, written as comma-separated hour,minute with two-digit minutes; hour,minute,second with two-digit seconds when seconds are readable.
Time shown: 5,50,39
